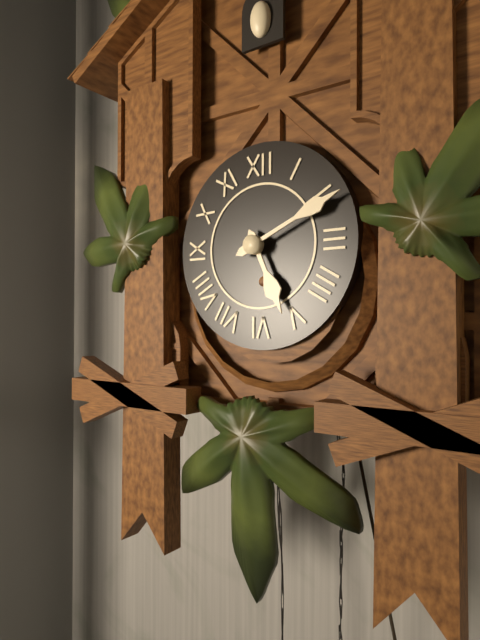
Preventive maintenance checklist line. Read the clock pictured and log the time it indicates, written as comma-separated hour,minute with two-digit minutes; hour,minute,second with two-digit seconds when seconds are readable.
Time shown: 5,11
